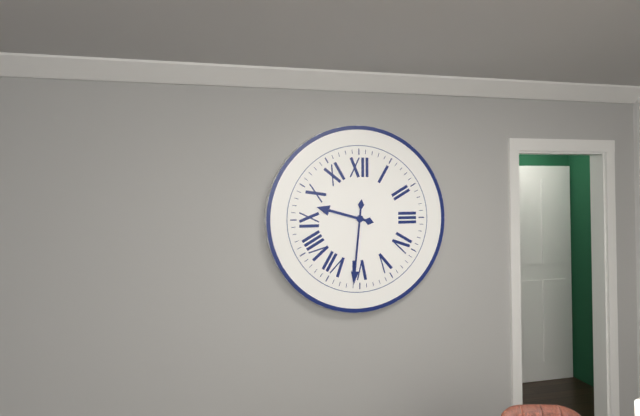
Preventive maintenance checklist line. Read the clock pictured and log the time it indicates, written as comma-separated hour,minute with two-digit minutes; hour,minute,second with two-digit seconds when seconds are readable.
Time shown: 9,31
